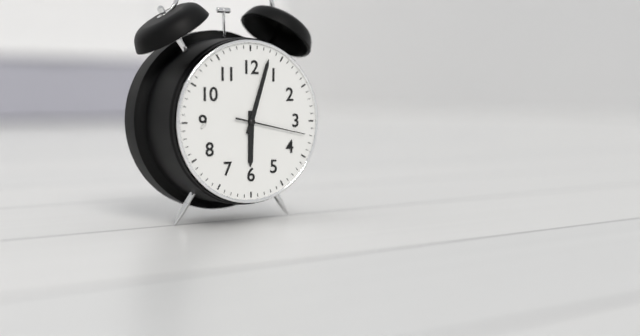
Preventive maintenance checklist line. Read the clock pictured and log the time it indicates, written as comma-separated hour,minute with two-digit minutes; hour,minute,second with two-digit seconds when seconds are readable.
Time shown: 6,03,17
